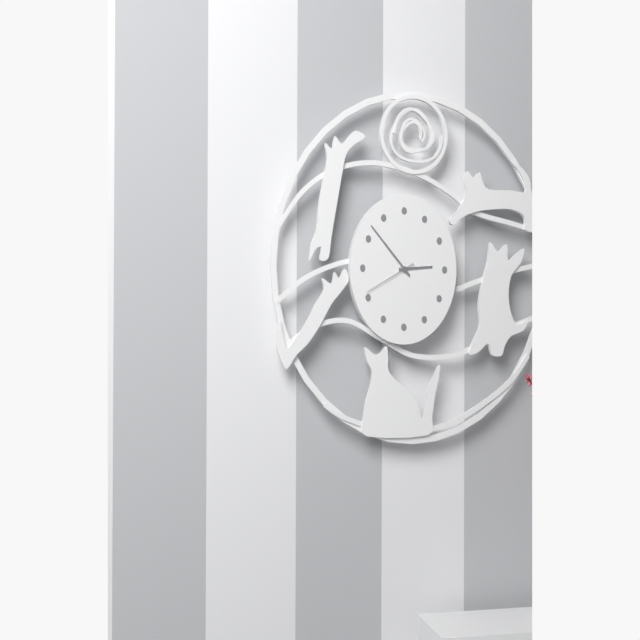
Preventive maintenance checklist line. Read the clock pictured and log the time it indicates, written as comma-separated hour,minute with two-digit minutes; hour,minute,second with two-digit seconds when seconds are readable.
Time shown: 2,52,41
